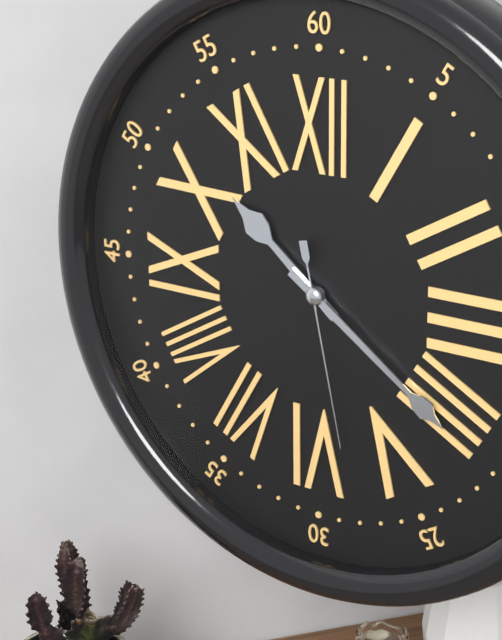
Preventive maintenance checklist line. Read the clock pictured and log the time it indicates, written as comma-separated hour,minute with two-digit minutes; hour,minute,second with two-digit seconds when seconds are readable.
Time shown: 10,21,28
